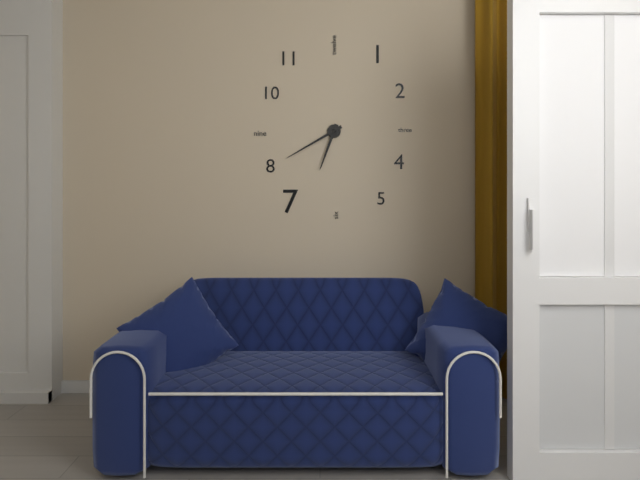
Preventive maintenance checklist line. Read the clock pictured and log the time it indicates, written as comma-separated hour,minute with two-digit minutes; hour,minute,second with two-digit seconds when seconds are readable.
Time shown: 6,40
